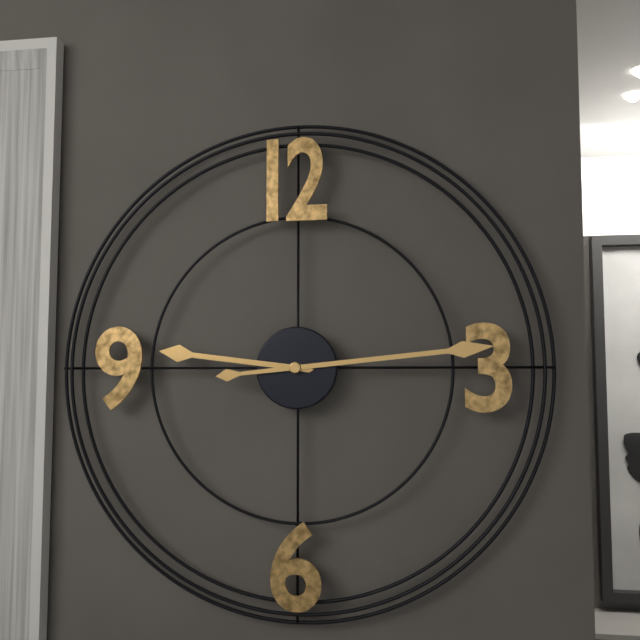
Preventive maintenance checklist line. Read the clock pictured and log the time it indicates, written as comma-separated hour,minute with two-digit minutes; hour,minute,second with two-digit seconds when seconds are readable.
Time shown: 9,14
